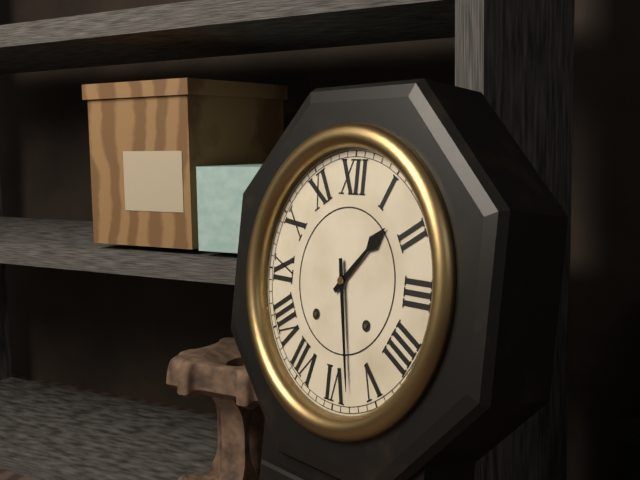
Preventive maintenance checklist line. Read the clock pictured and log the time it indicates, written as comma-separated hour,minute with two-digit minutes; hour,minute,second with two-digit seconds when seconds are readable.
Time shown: 1,28
